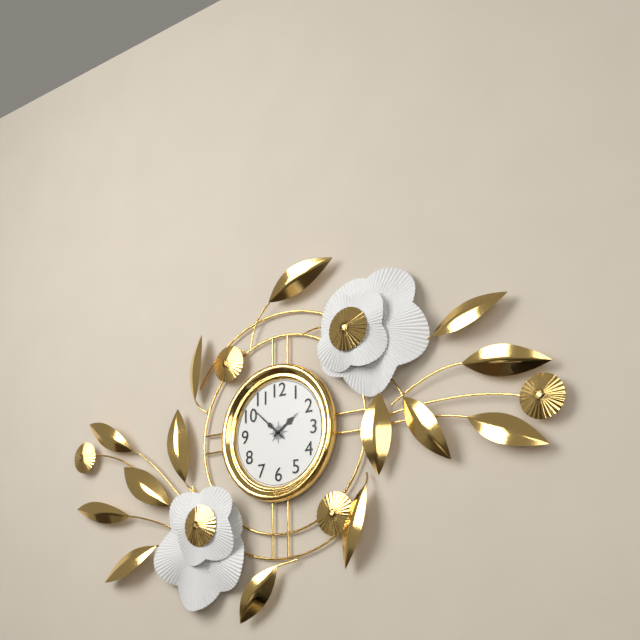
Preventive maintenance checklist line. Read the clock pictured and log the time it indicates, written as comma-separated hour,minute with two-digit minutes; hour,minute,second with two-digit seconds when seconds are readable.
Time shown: 1,52
